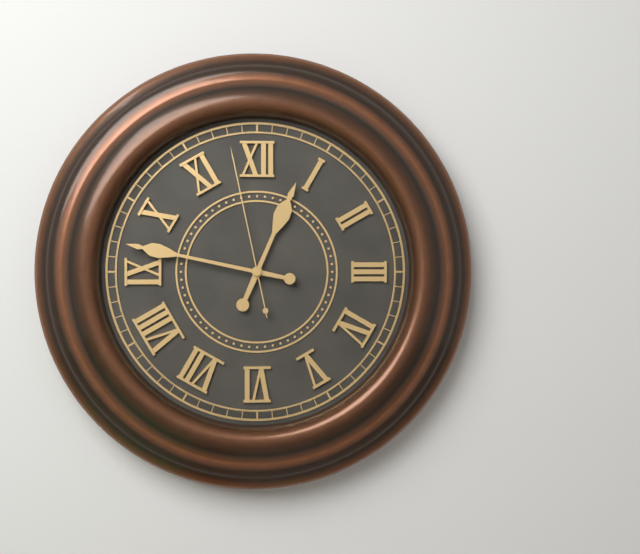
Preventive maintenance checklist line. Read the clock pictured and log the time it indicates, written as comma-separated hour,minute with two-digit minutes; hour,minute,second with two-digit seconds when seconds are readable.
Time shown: 12,47,58
